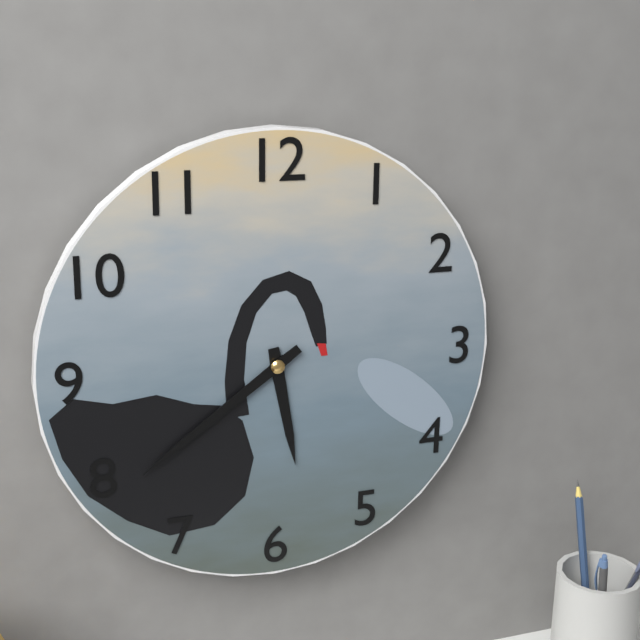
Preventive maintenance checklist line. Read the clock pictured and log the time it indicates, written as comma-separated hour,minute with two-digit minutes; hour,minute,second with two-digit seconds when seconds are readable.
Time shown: 5,39
